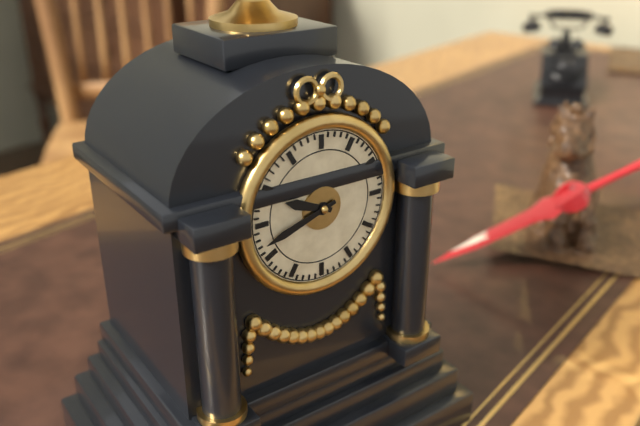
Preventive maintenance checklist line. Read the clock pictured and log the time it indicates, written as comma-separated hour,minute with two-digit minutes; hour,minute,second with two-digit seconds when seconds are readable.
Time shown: 9,42
